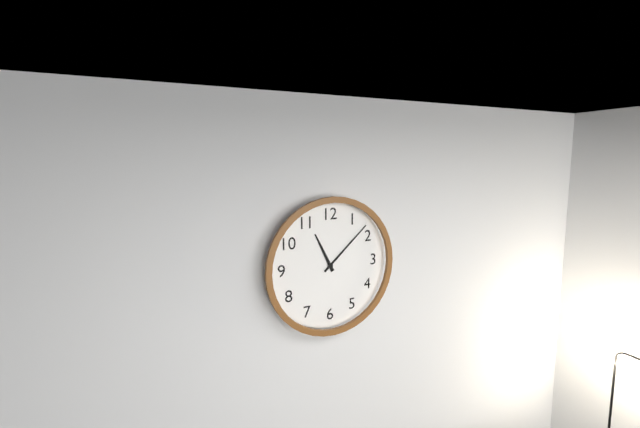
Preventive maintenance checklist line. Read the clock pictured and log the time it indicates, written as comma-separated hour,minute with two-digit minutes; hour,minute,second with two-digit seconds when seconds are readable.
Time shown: 11,08
